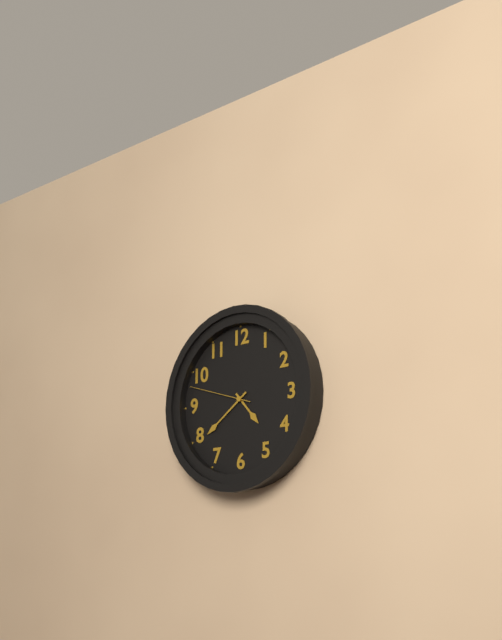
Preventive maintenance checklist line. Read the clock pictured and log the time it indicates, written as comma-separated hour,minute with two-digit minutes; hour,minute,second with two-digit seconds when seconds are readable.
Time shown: 4,39,48
